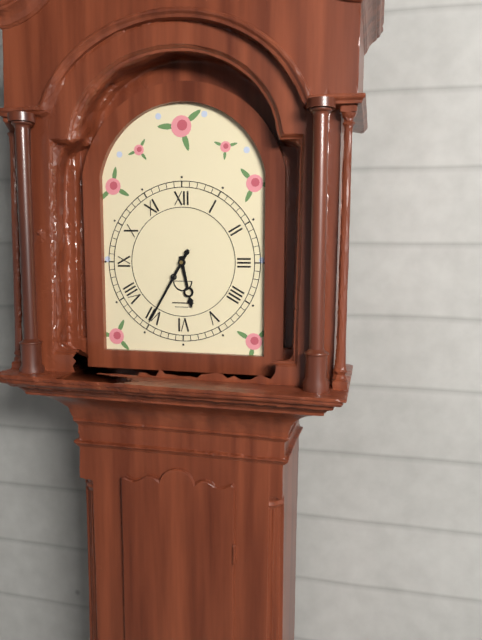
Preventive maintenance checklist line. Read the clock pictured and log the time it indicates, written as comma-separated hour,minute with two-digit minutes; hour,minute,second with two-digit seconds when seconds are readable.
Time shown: 5,35
